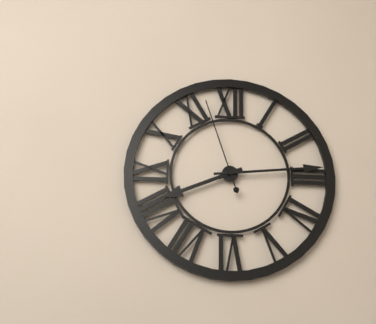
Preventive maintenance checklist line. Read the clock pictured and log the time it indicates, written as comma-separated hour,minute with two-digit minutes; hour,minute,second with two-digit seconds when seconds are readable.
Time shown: 8,14,57
